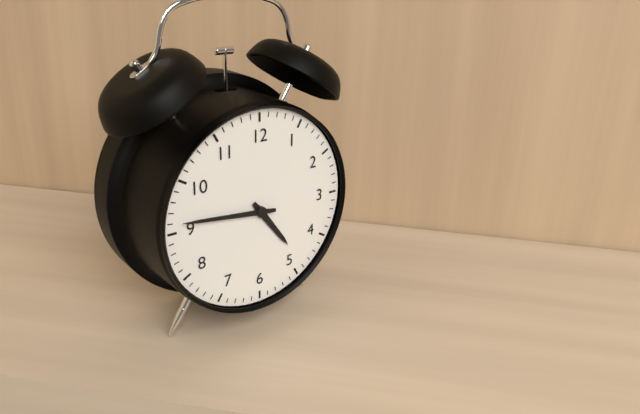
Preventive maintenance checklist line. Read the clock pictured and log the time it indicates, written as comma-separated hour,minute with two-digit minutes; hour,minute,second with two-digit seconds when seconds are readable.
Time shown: 4,46
